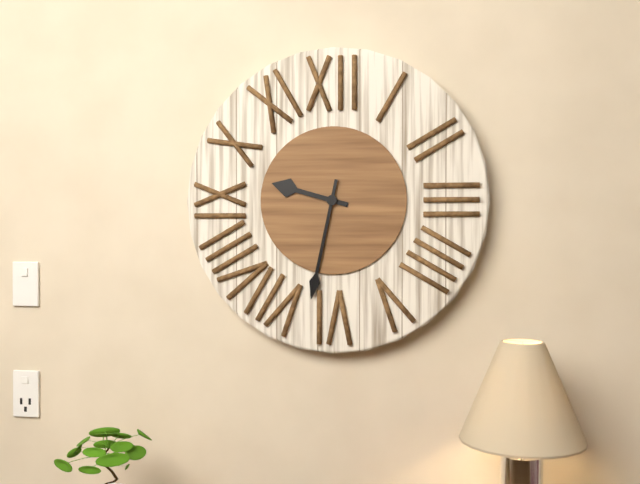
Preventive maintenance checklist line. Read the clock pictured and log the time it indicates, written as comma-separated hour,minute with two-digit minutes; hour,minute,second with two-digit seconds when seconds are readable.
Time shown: 9,32
